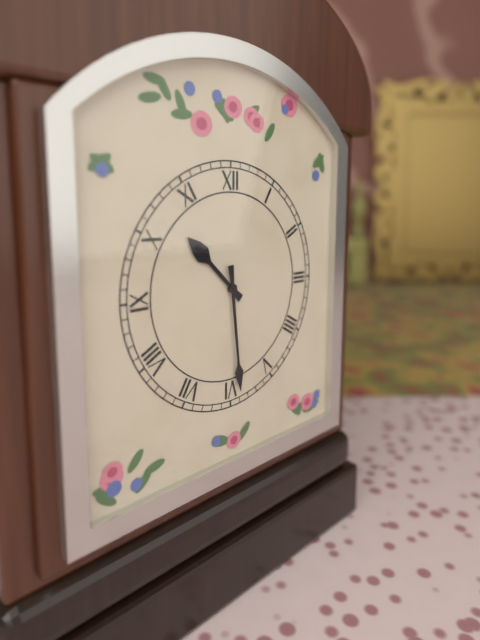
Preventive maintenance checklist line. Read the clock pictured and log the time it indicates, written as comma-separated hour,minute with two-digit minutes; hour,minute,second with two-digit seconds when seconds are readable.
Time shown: 10,29
